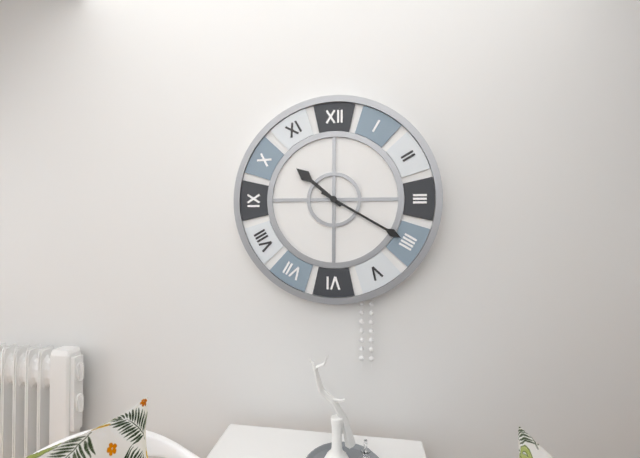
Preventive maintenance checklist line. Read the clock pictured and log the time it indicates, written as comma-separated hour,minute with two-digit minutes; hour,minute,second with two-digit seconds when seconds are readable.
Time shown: 10,20
